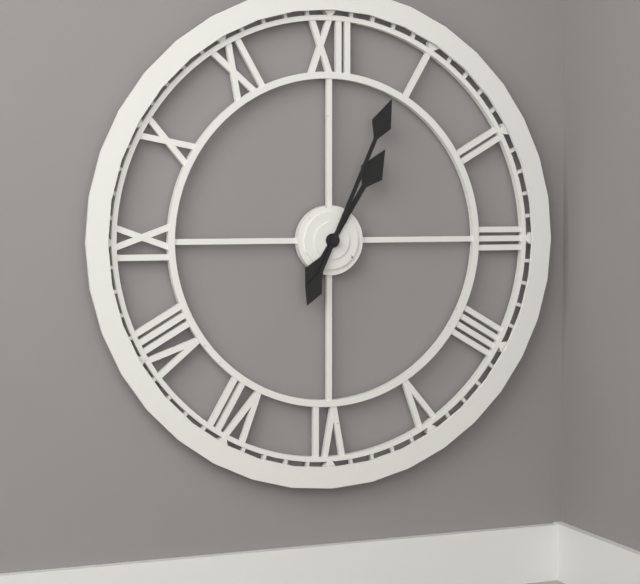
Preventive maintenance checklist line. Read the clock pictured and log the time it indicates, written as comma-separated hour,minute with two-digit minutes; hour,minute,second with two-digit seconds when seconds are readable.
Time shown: 1,04
